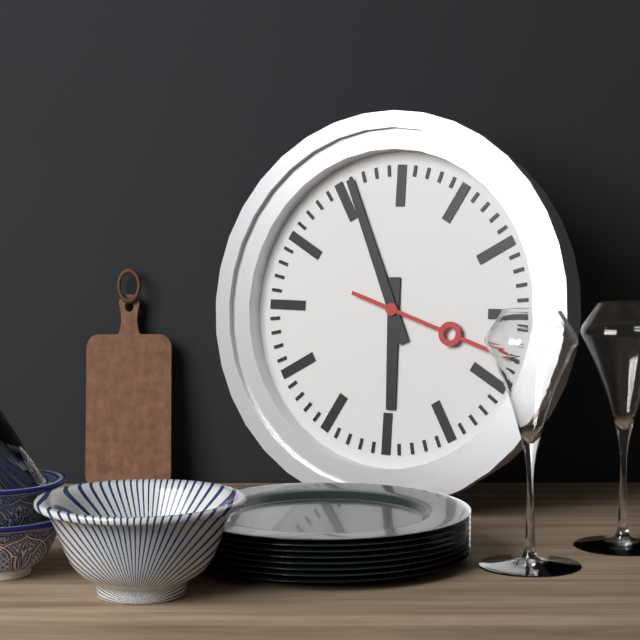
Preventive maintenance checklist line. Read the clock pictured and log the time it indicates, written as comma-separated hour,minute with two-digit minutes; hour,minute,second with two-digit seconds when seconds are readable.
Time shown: 5,56,18
